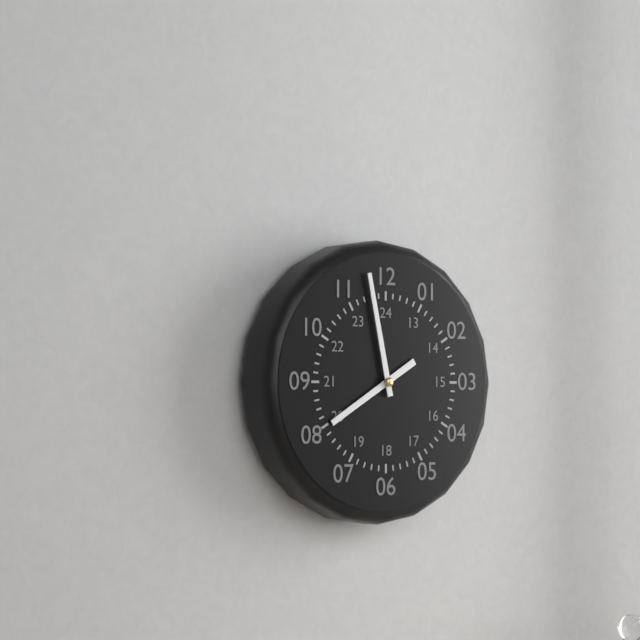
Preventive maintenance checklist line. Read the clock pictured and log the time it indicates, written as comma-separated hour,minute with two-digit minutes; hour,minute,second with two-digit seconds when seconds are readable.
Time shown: 7,58
